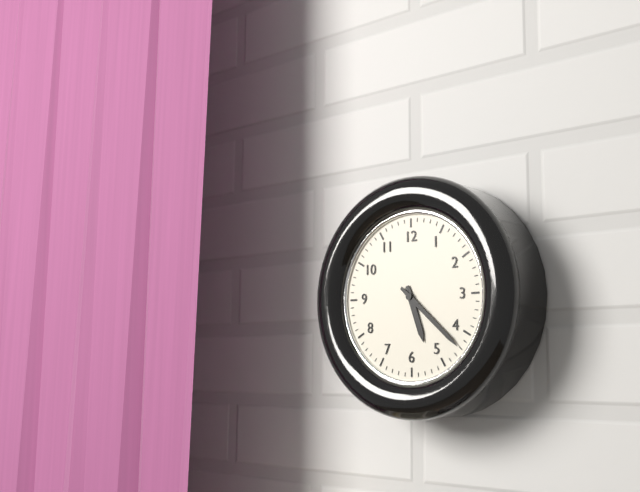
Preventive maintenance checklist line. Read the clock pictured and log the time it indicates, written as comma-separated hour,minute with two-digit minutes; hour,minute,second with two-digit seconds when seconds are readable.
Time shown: 5,22
